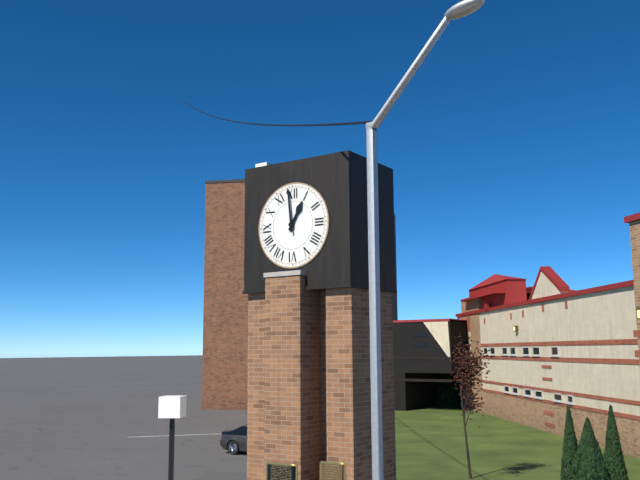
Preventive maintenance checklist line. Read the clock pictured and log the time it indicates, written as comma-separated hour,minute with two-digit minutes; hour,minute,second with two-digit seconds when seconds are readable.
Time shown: 12,59
